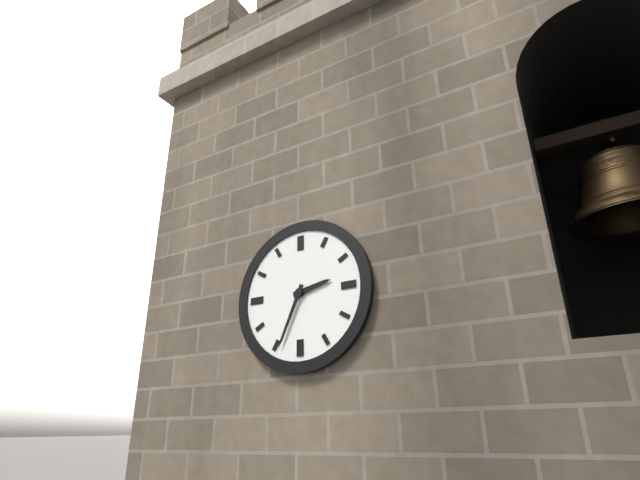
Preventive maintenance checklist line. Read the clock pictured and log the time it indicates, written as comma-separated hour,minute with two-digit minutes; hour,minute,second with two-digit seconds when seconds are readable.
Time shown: 2,34
